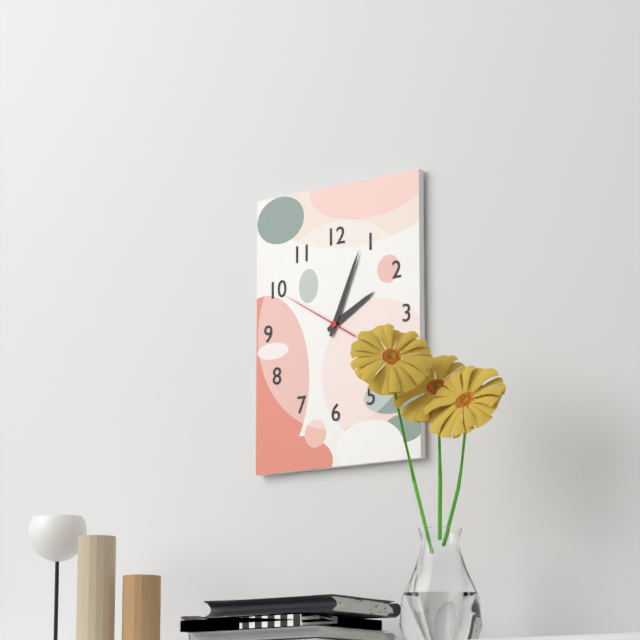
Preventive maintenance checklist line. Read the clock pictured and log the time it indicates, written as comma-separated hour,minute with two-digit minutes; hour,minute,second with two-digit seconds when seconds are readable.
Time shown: 2,04,50
